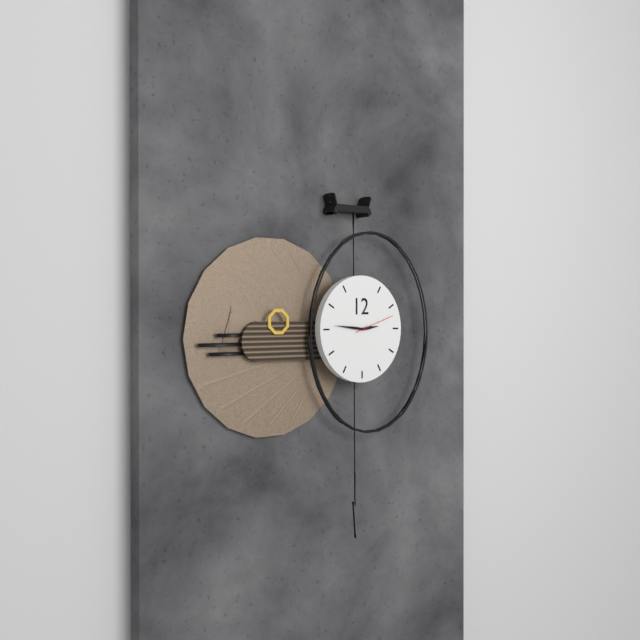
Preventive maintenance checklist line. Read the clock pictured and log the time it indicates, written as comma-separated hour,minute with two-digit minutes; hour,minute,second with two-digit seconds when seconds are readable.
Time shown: 2,46
